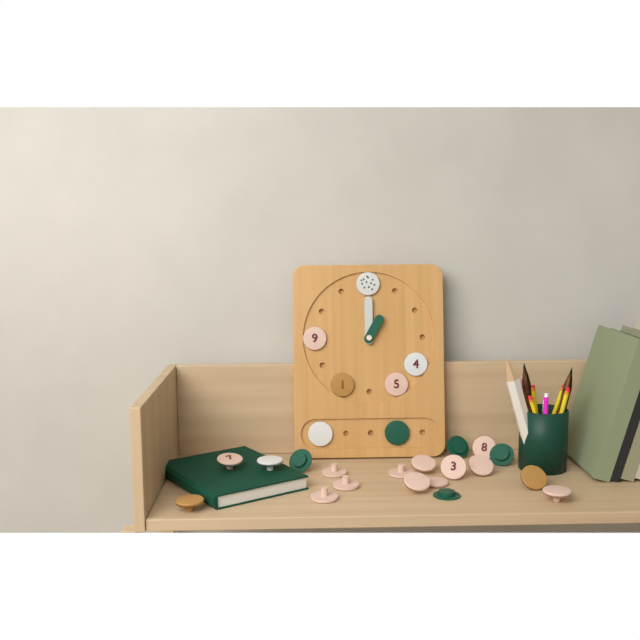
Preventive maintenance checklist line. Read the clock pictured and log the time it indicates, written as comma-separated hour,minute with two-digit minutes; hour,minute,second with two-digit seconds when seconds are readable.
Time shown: 1,00
